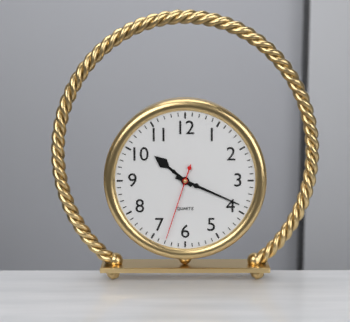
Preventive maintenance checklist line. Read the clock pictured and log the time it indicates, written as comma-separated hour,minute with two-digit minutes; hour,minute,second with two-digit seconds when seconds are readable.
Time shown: 10,19,33
